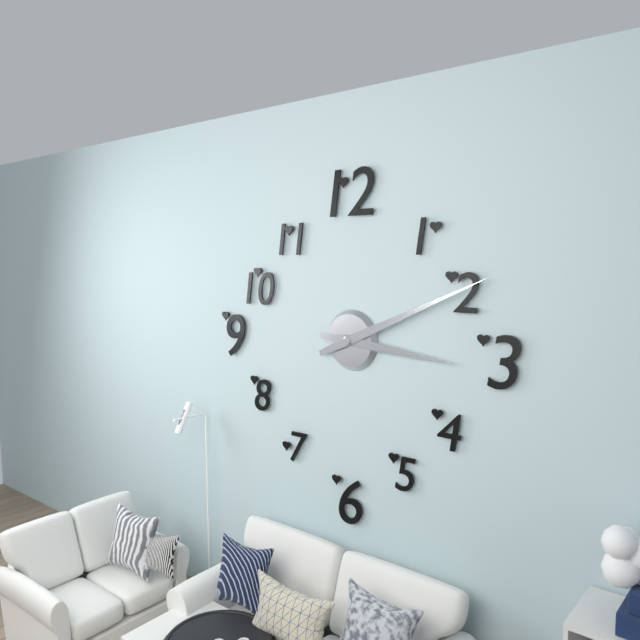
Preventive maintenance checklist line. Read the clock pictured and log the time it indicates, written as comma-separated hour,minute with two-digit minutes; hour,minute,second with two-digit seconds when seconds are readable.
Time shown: 3,11
